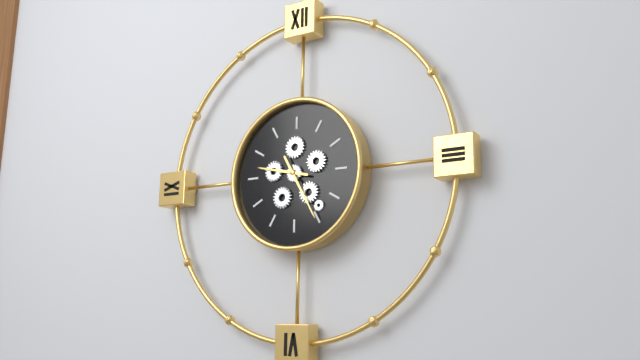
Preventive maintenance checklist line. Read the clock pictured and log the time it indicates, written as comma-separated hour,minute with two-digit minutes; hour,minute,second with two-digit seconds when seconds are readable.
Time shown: 9,25
